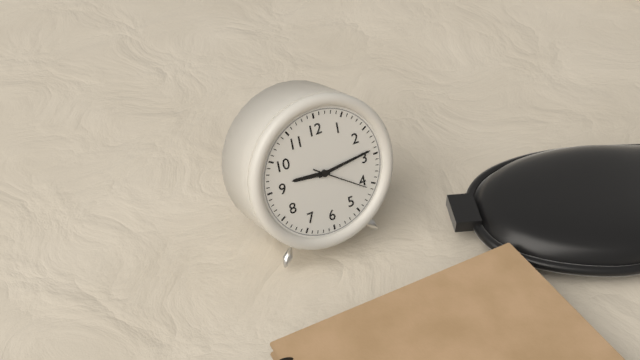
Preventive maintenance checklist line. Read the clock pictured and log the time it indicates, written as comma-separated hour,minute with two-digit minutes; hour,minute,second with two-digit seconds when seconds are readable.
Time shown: 9,14,21
